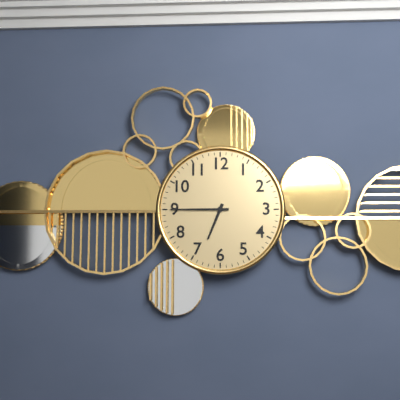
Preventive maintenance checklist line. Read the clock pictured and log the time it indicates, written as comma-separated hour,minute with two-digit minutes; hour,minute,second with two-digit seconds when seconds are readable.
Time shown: 6,45
